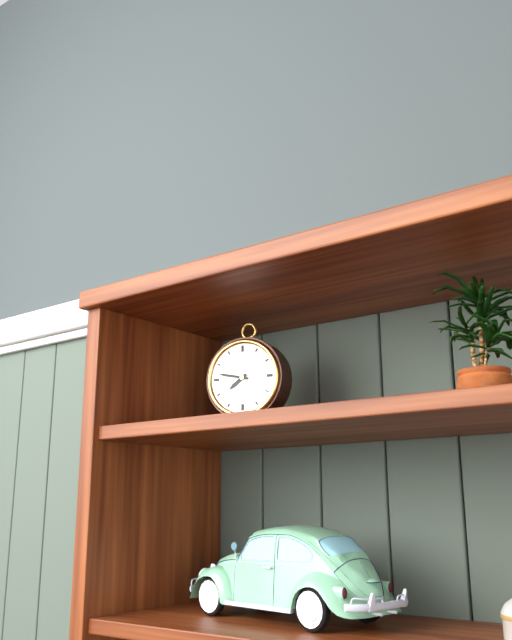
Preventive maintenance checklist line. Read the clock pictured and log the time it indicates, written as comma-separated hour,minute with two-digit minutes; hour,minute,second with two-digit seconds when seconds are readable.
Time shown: 7,47
